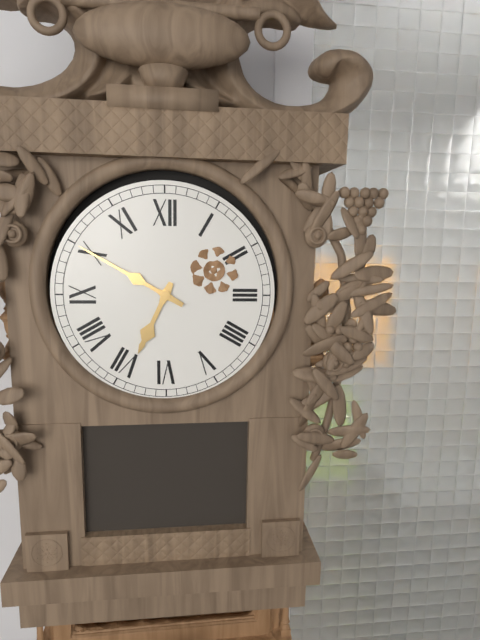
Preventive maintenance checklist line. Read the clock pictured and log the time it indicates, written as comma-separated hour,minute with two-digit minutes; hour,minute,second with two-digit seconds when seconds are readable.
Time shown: 6,50
